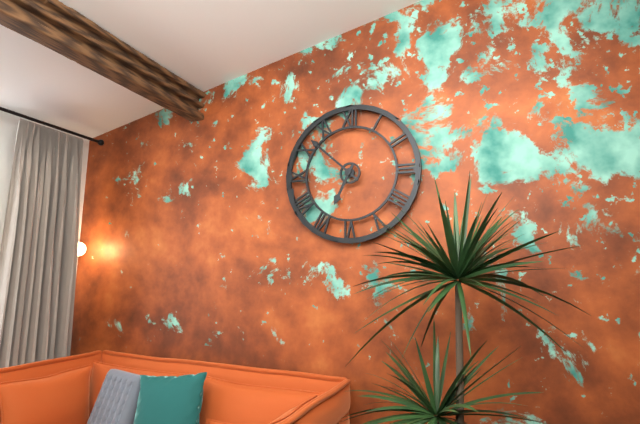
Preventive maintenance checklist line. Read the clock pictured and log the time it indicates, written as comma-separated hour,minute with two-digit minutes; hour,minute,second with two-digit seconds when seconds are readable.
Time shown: 6,52
